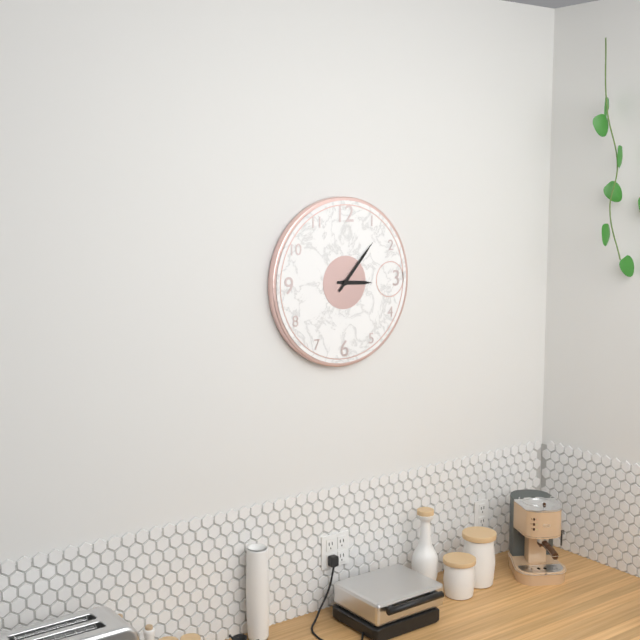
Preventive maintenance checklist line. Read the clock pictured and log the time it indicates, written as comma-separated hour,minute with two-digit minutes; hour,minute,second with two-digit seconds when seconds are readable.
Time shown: 3,07
